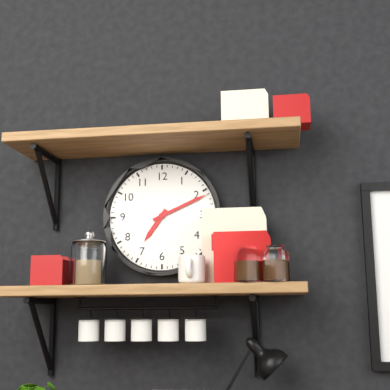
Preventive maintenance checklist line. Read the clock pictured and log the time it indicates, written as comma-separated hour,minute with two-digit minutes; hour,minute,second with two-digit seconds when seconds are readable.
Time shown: 7,11
